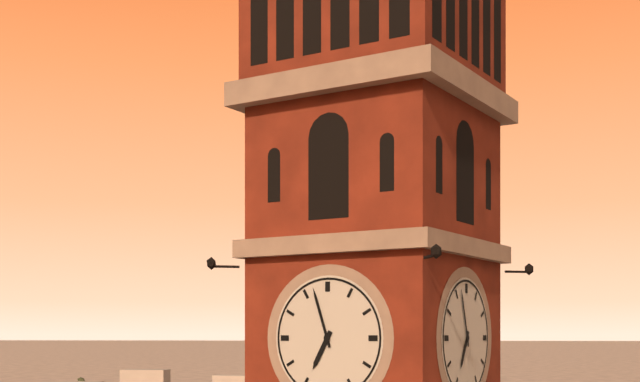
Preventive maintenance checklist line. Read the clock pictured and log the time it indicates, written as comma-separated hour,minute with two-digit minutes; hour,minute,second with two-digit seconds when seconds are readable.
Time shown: 6,57
